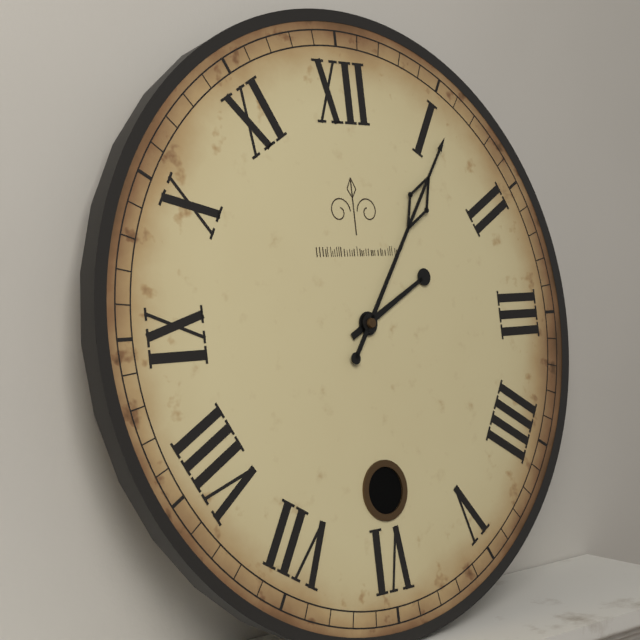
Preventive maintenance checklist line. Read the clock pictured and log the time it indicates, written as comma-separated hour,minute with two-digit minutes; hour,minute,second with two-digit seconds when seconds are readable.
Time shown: 2,06
